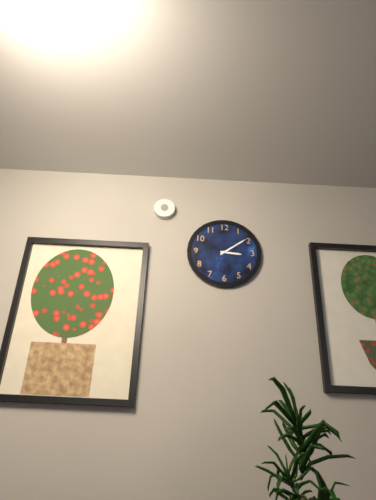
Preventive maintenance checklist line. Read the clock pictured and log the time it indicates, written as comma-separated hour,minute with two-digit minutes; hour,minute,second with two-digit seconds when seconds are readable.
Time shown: 3,09
